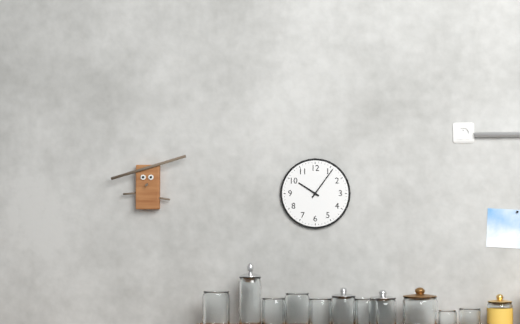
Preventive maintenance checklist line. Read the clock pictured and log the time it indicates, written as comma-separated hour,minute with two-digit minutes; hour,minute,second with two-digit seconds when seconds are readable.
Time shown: 10,06
